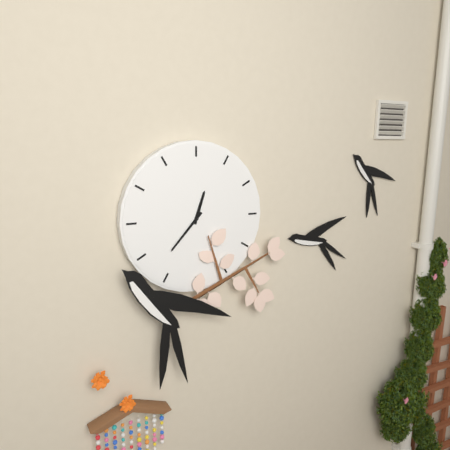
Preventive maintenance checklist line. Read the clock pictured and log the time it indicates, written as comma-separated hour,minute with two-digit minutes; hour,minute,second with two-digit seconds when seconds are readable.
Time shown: 12,37
